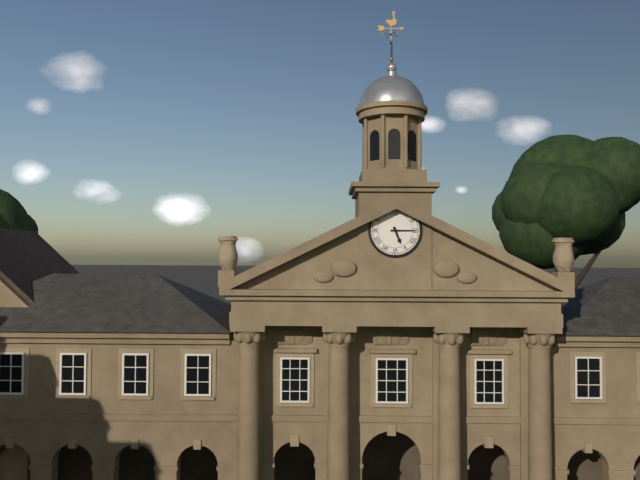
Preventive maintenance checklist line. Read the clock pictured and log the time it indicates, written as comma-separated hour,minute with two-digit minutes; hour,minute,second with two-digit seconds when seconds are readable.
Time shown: 5,15
